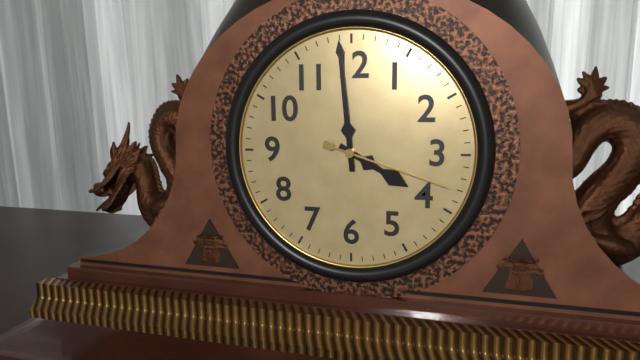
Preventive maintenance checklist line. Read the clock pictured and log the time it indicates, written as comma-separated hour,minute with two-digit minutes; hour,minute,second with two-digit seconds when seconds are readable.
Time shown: 3,59,18
